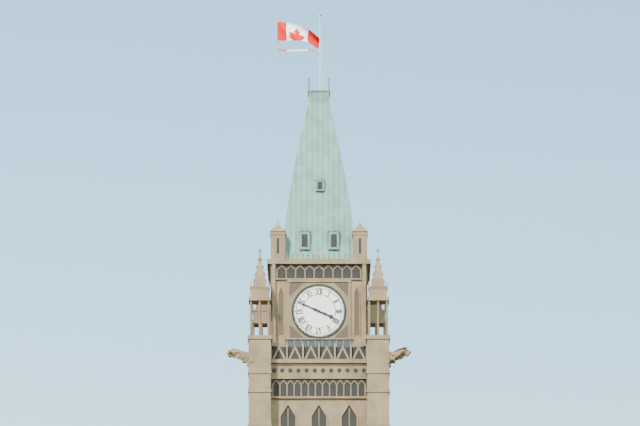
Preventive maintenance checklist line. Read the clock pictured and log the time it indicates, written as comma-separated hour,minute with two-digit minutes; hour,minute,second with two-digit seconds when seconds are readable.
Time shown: 3,49
